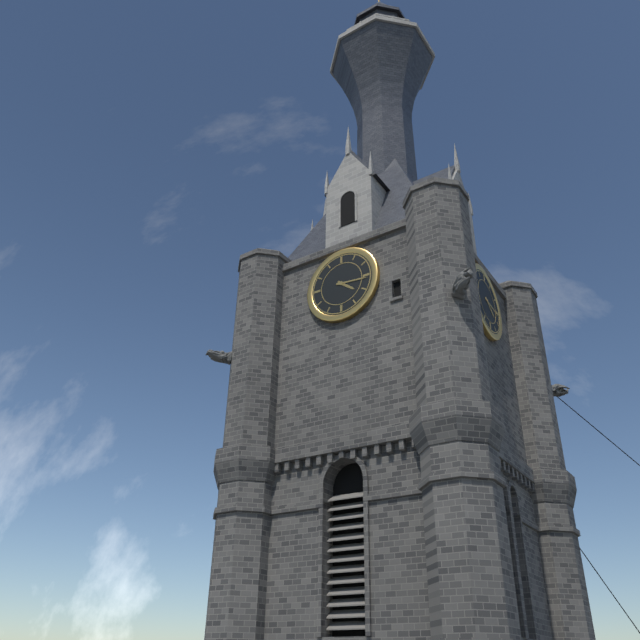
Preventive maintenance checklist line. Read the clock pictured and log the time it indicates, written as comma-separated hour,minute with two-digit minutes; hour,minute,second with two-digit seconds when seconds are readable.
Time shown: 4,16
